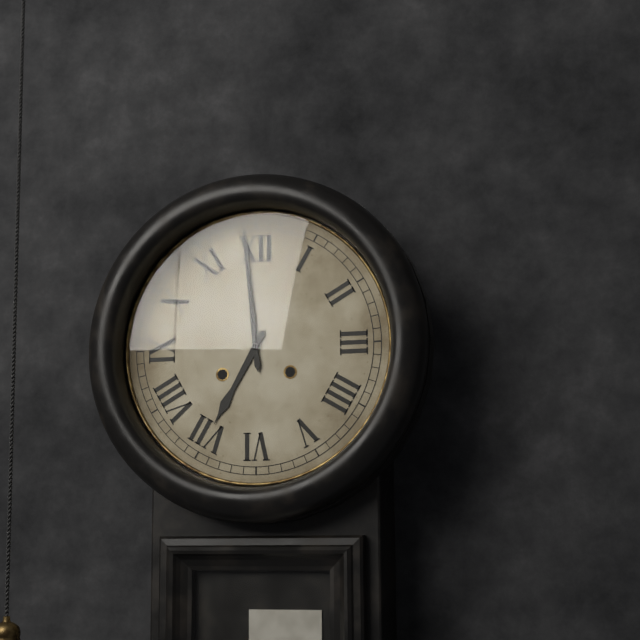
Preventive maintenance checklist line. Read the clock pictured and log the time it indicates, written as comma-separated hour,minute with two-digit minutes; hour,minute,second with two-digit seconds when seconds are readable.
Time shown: 6,59
